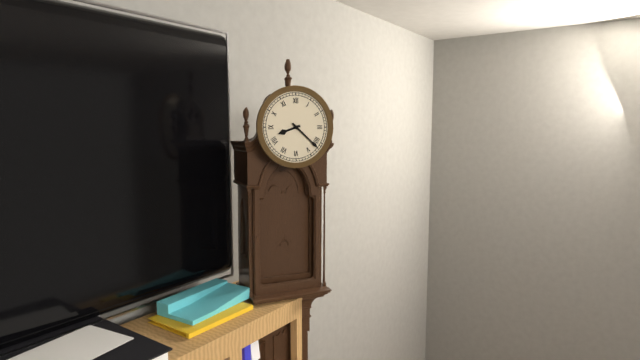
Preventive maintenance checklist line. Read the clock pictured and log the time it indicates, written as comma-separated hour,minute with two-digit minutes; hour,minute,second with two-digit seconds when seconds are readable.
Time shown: 8,22
